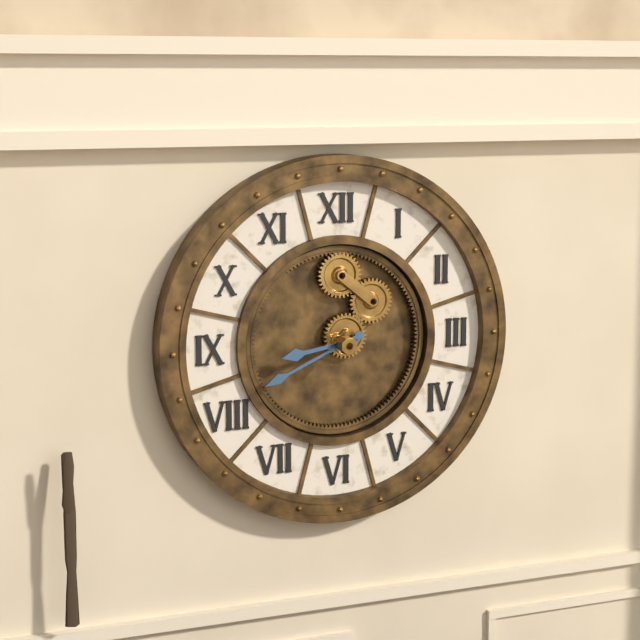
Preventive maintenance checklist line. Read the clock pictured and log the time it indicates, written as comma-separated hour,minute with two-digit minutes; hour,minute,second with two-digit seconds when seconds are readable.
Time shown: 8,41
